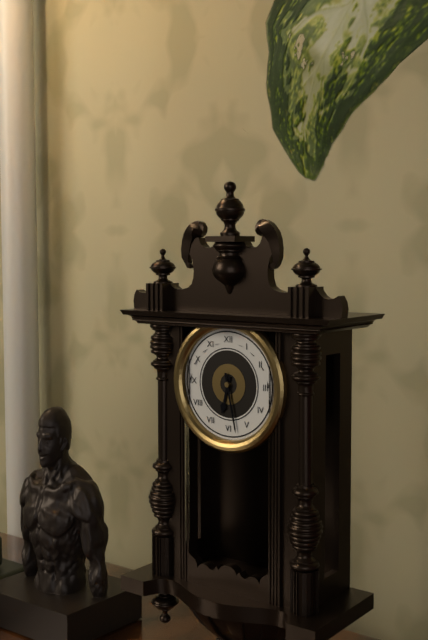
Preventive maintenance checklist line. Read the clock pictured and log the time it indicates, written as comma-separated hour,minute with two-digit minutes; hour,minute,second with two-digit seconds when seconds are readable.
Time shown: 6,28
